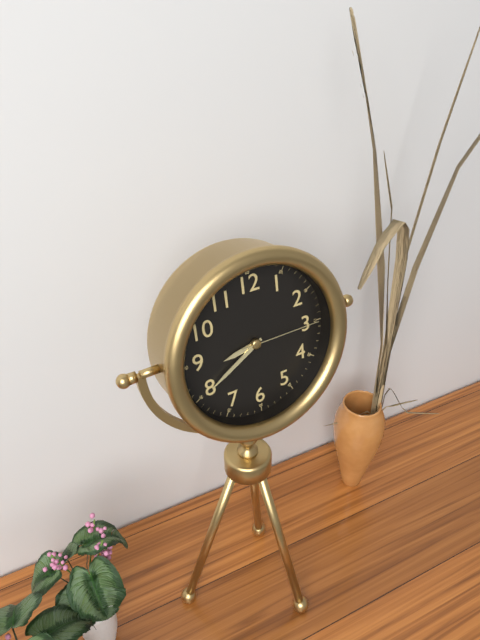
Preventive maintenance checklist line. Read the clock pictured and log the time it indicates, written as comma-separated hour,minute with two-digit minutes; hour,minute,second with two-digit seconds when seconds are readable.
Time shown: 8,40,15
